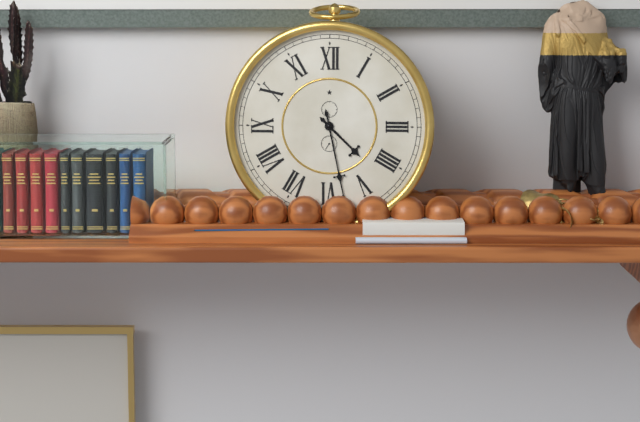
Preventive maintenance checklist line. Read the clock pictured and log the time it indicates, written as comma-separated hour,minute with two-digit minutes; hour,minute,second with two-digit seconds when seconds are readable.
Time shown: 4,28
